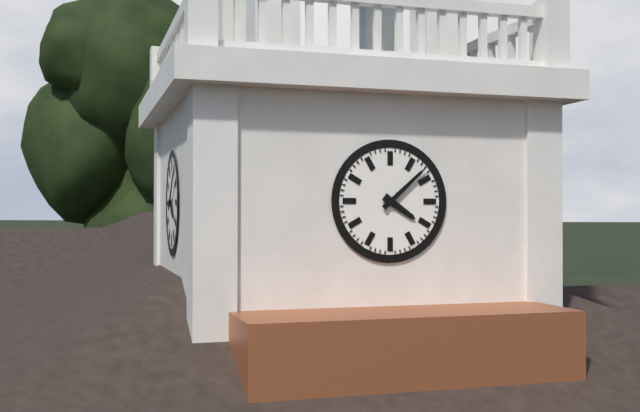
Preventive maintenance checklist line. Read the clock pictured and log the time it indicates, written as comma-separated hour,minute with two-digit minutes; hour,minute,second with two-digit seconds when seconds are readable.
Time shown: 4,08
